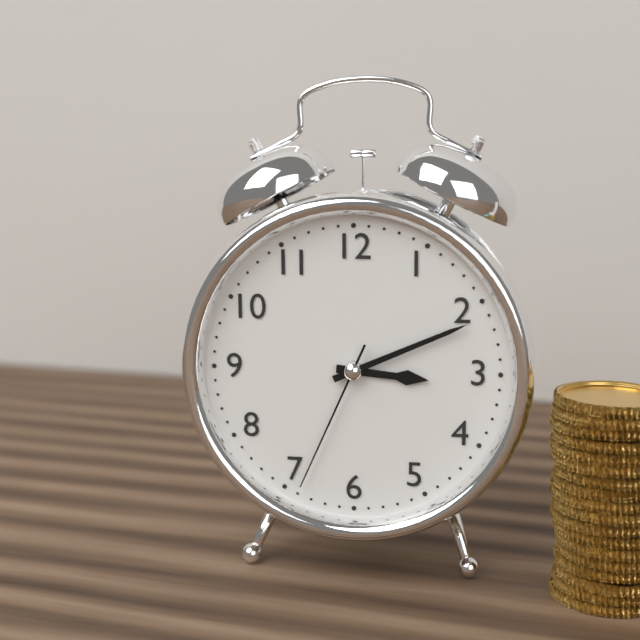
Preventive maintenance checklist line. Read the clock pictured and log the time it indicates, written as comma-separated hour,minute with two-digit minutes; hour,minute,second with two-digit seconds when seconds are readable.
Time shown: 3,11,34
